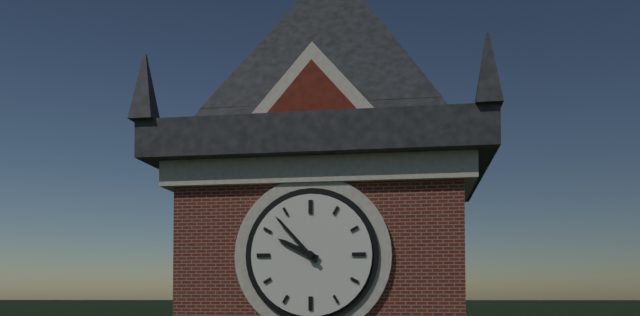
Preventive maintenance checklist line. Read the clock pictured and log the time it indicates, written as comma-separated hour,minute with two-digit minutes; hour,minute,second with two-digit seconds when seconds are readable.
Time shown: 9,53
